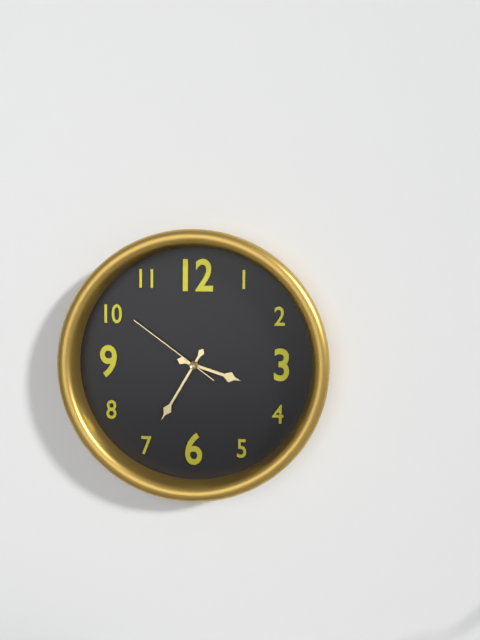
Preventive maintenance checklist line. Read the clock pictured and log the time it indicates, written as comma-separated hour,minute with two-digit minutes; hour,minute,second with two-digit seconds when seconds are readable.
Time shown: 3,35,51
